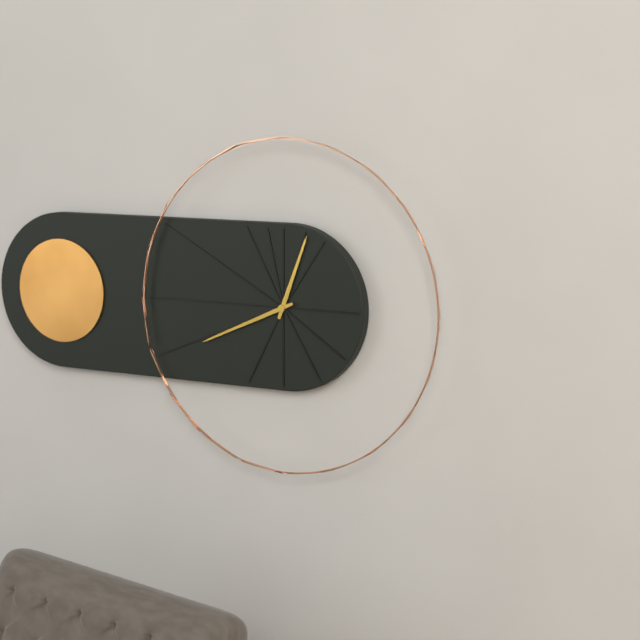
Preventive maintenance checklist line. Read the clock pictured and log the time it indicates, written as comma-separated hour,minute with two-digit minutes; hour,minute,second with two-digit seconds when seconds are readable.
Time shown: 12,41
